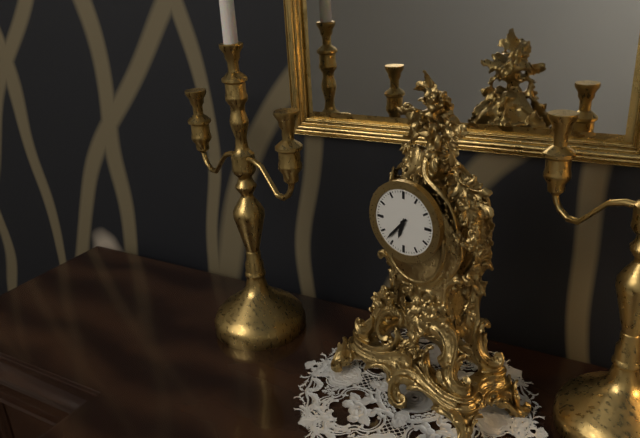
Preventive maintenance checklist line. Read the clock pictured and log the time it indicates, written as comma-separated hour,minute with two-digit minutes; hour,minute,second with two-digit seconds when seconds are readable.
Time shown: 6,37
